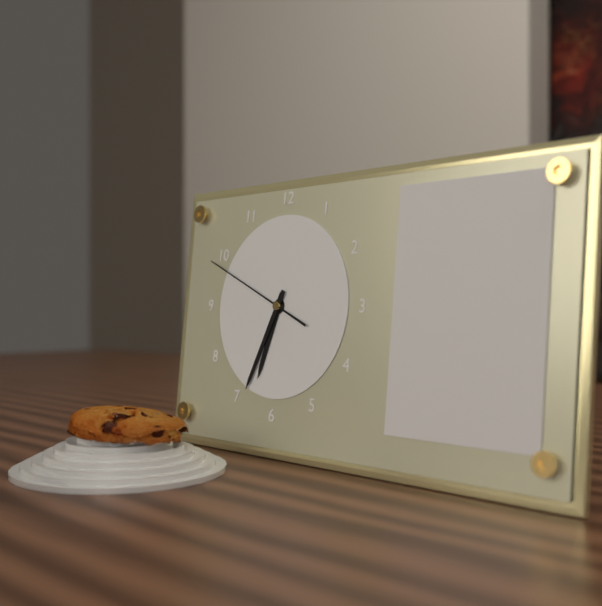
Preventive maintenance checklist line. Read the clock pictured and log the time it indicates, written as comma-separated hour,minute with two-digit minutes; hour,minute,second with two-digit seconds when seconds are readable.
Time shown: 6,34,49
